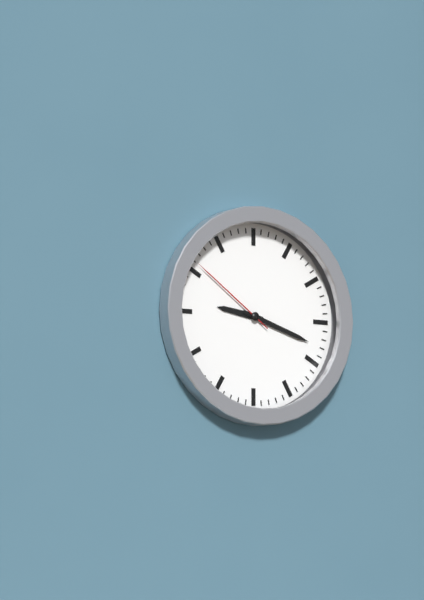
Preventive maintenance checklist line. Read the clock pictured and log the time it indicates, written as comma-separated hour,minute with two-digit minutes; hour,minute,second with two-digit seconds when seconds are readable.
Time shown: 9,18,51
